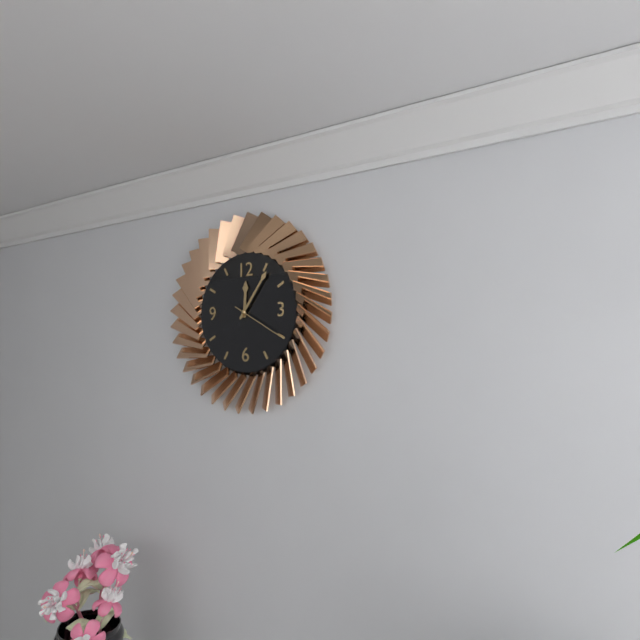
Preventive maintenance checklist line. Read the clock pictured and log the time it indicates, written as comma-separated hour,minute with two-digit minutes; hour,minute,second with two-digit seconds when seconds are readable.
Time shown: 12,06,20
